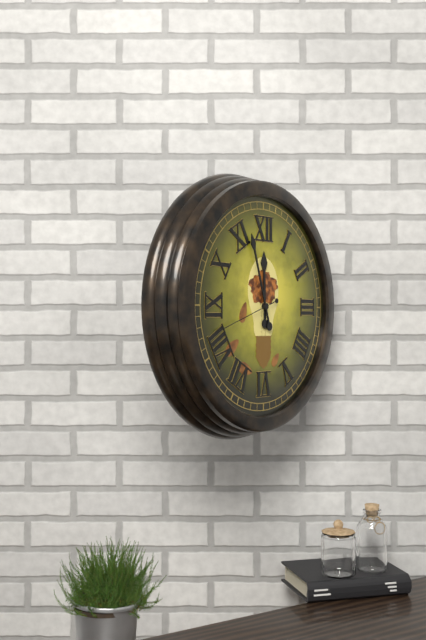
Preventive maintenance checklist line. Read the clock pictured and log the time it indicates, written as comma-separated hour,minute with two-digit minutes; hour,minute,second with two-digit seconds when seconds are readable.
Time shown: 11,57,42
